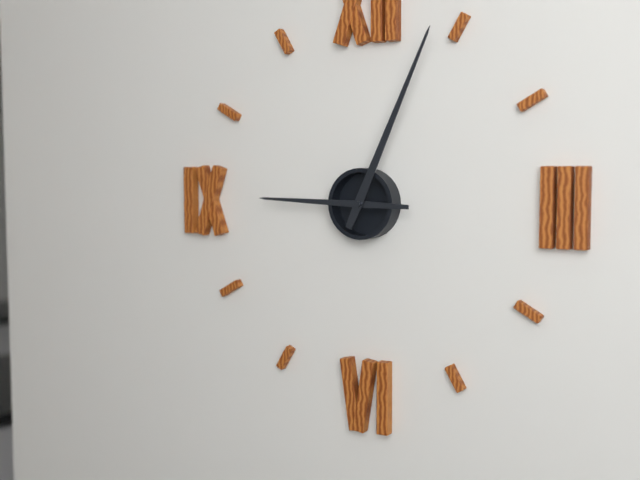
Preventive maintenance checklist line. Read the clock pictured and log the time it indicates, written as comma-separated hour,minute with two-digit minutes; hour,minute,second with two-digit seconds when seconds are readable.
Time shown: 9,04
